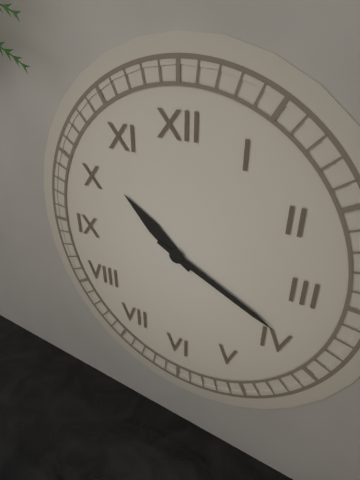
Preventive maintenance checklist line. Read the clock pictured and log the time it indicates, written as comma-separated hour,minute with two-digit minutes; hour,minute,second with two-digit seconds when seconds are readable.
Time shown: 10,19
